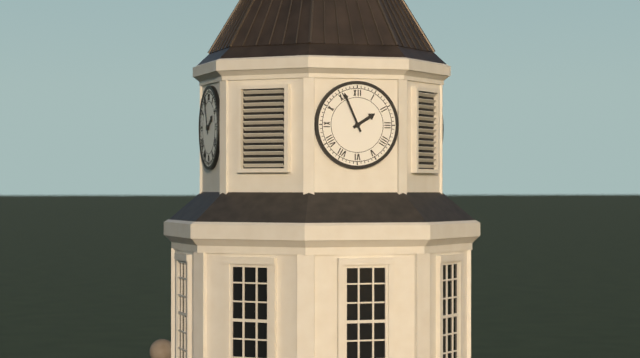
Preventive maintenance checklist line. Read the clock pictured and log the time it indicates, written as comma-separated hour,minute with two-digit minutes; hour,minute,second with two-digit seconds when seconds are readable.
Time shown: 1,56
